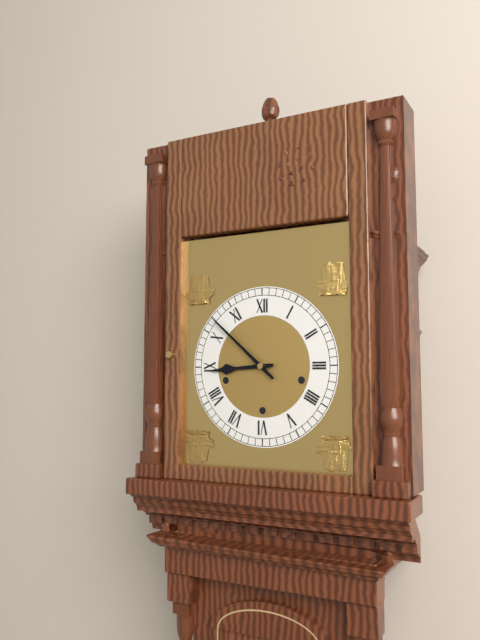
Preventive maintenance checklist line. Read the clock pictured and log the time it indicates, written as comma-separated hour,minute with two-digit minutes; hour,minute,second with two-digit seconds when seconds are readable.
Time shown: 8,52
